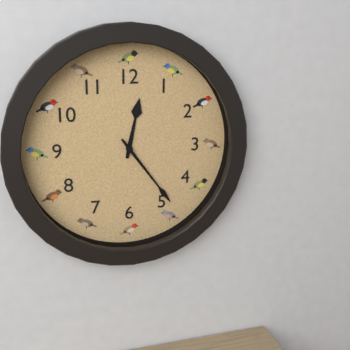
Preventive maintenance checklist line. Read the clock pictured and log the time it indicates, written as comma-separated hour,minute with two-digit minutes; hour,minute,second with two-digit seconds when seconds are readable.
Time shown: 12,24
